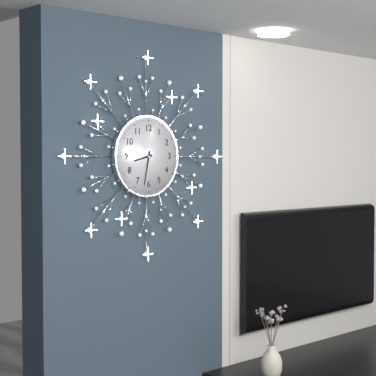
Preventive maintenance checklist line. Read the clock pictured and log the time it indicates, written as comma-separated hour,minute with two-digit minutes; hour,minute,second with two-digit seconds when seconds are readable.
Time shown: 8,32
